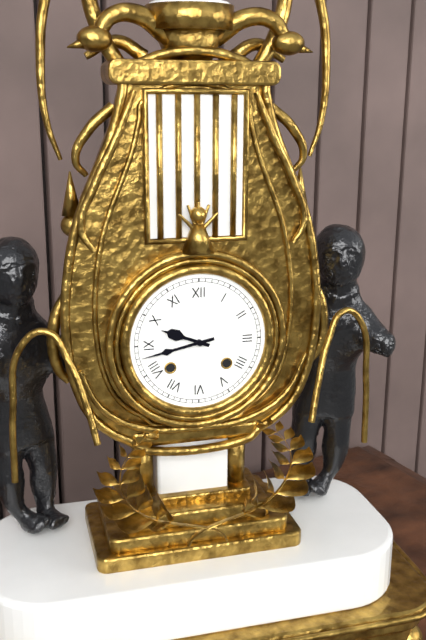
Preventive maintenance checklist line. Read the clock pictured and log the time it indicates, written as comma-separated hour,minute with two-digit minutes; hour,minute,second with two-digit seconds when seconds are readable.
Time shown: 9,43
